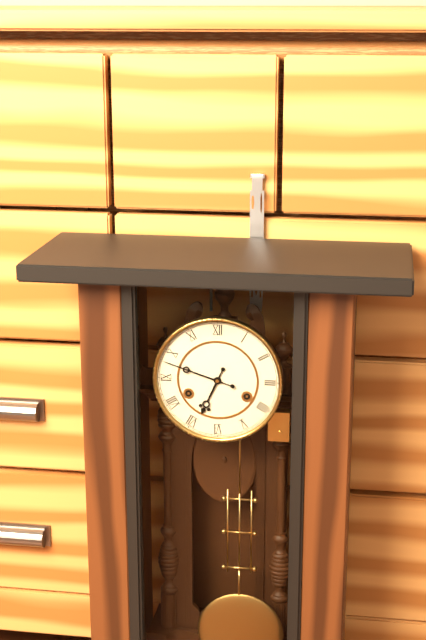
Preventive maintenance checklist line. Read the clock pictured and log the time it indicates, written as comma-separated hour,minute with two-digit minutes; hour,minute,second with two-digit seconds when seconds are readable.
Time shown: 6,48
